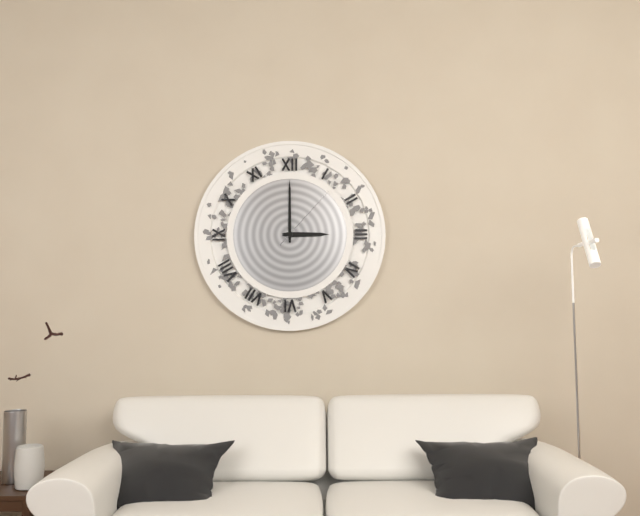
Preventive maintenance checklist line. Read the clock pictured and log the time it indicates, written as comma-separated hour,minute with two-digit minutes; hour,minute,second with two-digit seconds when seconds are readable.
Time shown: 3,00,07
